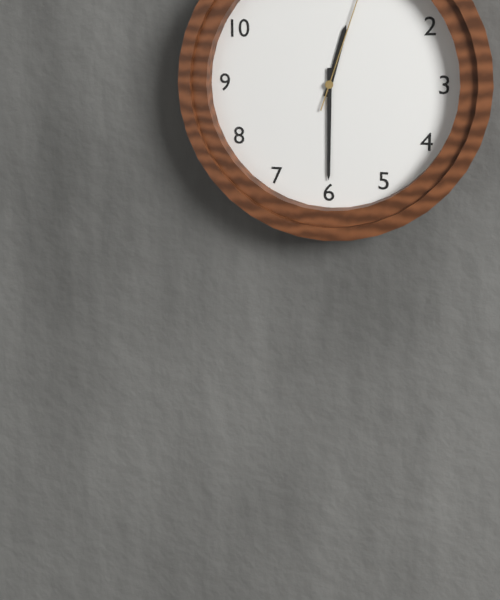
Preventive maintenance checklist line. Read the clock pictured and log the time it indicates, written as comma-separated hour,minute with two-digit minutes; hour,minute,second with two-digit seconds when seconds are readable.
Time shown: 12,30
